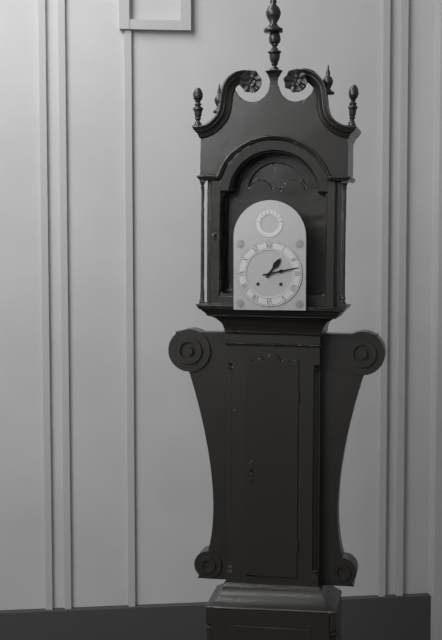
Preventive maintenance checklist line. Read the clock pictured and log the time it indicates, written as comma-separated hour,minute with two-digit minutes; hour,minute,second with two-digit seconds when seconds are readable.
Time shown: 1,13
